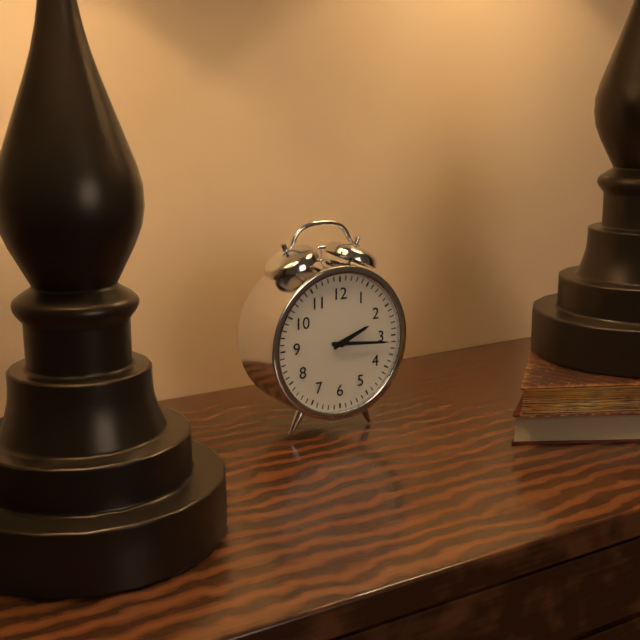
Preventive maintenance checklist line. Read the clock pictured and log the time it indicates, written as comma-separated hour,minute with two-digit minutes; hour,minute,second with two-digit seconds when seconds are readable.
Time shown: 2,16
